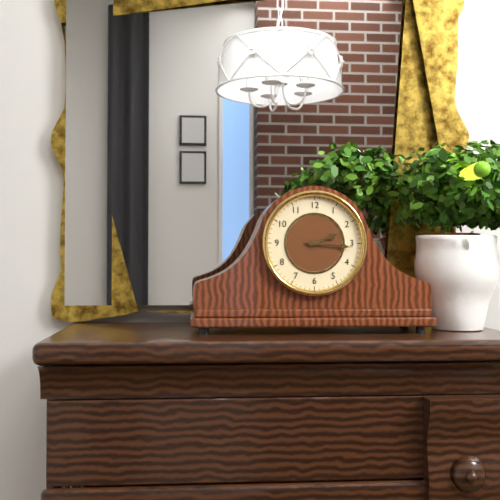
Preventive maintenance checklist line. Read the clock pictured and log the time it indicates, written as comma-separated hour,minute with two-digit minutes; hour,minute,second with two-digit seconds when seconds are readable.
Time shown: 2,16
